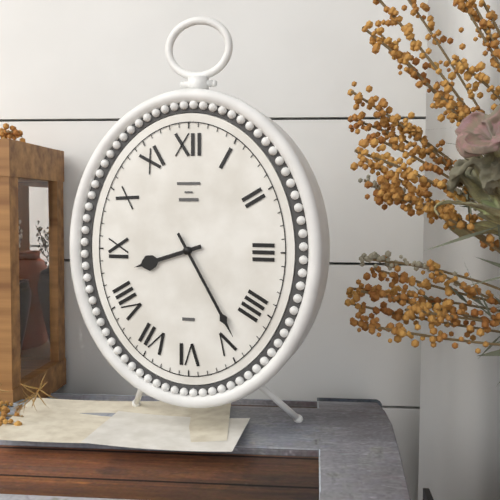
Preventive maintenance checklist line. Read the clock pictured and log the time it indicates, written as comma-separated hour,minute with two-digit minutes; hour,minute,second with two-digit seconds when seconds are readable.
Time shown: 8,25
